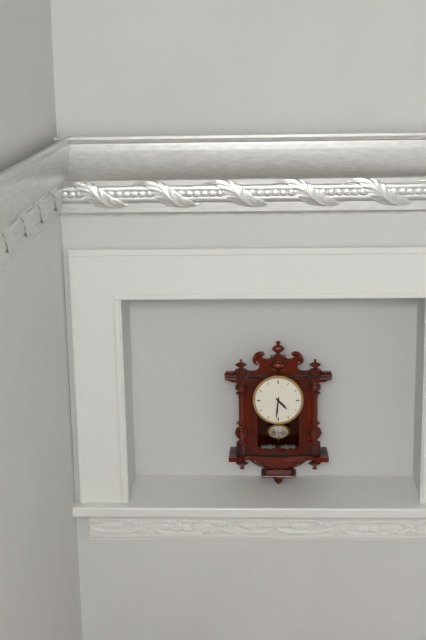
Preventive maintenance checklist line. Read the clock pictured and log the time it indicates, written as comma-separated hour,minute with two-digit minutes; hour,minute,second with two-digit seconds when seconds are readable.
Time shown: 4,31
